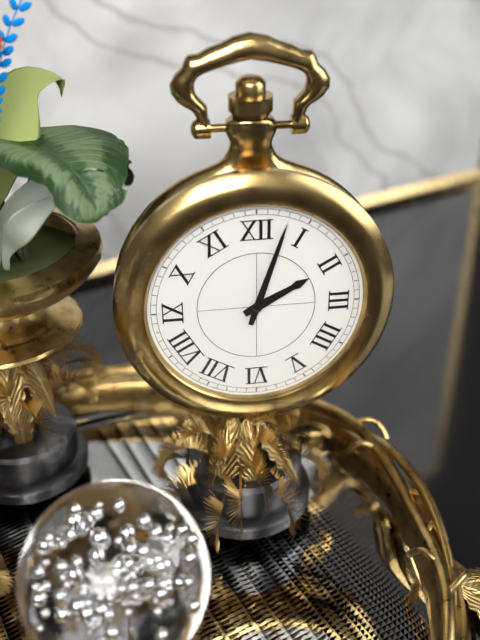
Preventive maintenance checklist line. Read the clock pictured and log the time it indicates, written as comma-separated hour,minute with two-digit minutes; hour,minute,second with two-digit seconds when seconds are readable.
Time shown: 2,03
